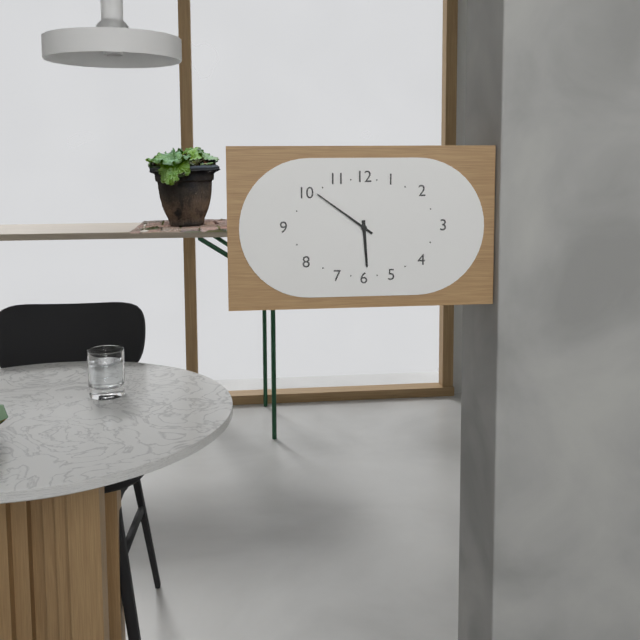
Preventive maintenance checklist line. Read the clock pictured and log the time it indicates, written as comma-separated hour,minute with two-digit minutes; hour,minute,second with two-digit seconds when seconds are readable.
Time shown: 5,51
